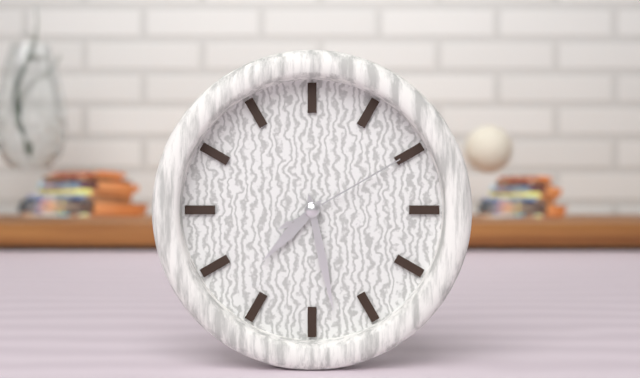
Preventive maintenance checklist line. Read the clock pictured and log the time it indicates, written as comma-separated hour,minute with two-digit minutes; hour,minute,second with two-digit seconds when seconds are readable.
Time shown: 7,28,10
